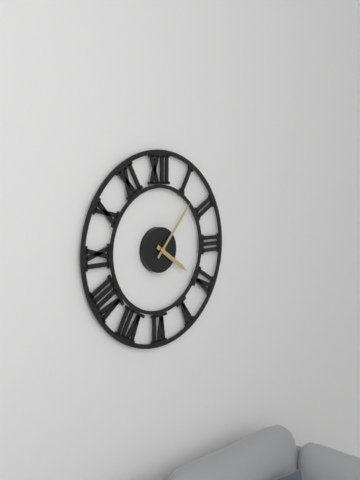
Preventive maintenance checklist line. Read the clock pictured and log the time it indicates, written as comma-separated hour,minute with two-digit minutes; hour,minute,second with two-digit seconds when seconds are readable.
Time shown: 4,07
